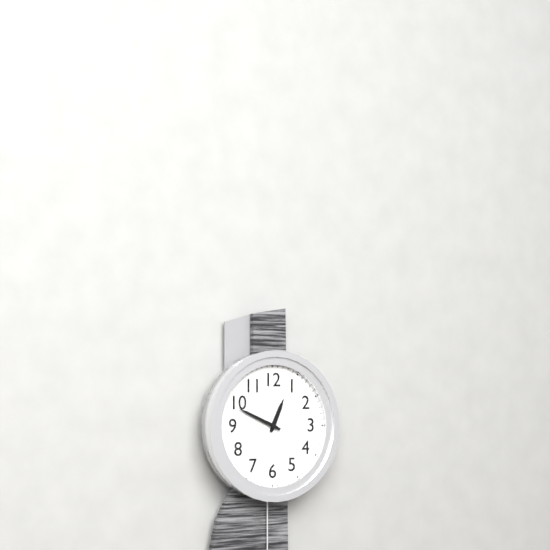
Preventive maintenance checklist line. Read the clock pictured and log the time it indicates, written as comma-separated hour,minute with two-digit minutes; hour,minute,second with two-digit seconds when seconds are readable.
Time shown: 12,49
